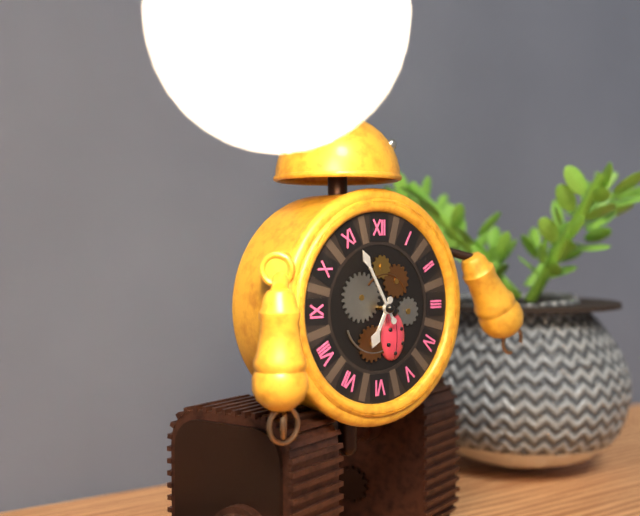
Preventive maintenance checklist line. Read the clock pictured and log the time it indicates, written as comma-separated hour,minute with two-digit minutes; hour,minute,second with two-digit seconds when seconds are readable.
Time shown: 6,55
